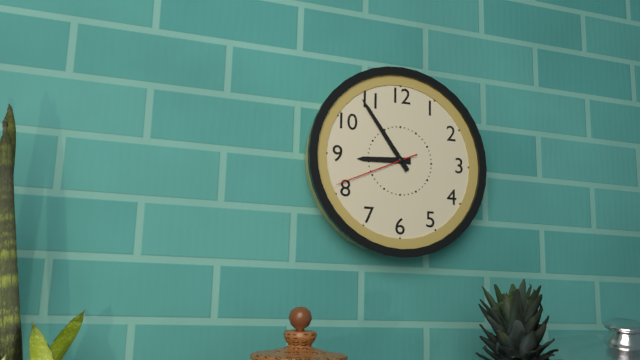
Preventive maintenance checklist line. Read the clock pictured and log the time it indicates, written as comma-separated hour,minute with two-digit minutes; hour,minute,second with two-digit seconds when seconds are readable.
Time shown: 8,54,41
